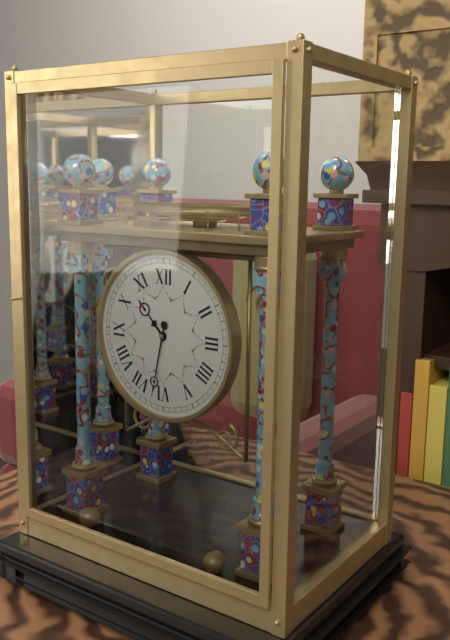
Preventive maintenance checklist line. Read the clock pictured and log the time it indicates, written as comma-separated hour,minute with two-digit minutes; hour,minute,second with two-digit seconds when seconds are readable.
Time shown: 10,32
